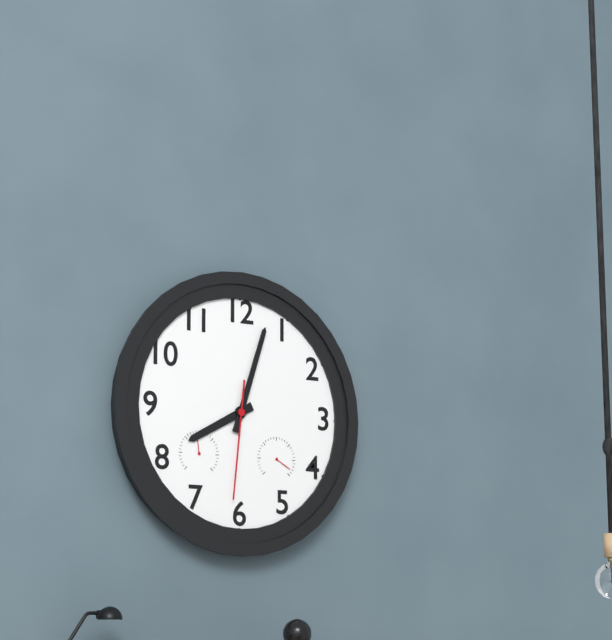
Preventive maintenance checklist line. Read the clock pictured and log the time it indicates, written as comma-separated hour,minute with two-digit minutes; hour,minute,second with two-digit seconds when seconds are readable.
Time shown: 8,03,31
